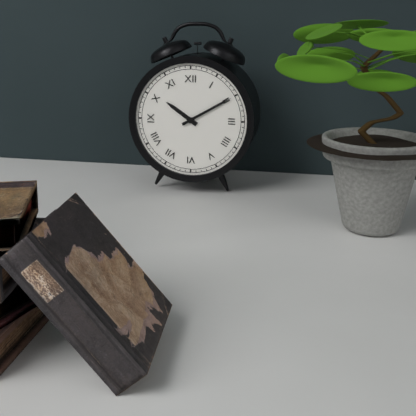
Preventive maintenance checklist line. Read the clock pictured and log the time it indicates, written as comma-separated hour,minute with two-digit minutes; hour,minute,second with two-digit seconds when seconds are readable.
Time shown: 10,10
